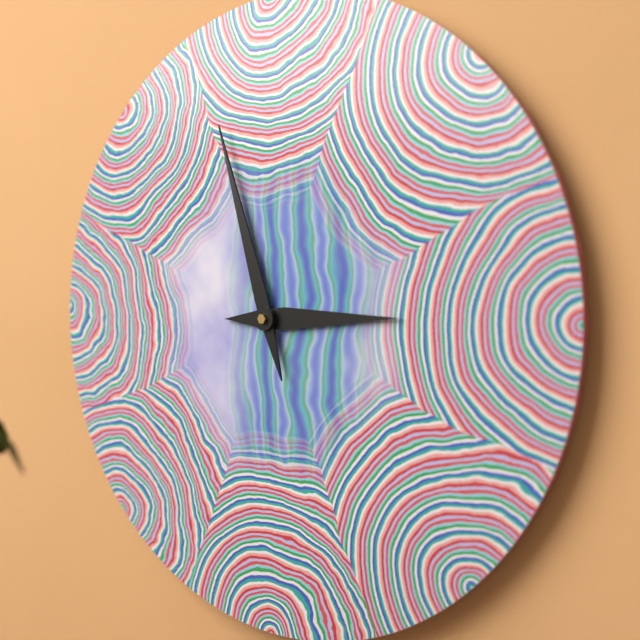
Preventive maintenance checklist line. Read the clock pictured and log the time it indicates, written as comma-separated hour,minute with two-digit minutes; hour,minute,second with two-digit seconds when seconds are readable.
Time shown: 2,57
